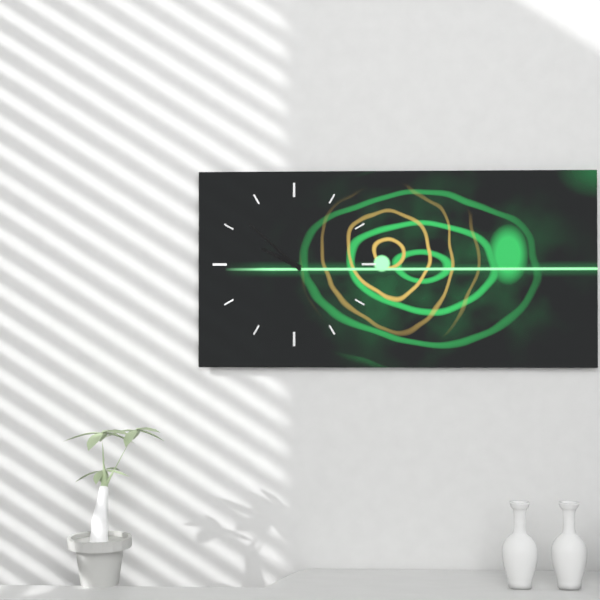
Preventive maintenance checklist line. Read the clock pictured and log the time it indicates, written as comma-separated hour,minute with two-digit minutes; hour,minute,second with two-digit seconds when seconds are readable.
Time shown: 9,52
